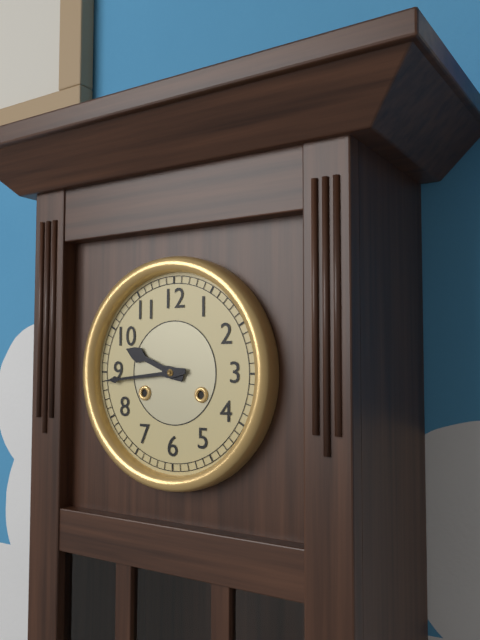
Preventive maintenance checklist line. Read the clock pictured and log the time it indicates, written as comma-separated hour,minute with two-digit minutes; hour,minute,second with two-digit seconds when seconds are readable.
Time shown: 9,44
